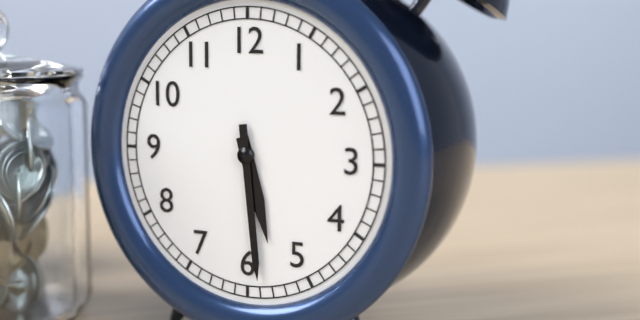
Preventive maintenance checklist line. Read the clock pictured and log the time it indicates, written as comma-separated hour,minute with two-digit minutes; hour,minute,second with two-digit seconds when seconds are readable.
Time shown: 5,29
